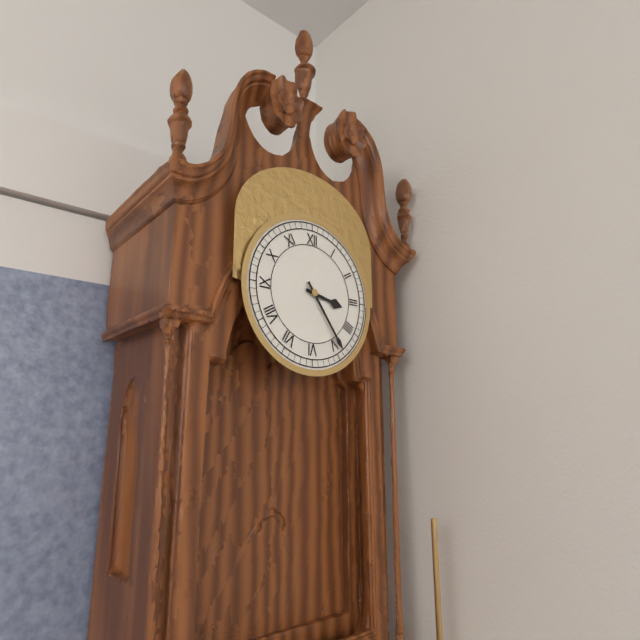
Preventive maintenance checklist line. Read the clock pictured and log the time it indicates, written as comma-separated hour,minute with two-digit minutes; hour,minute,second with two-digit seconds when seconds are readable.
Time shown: 3,24
